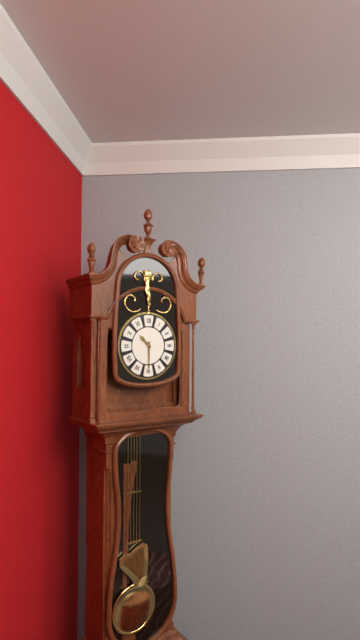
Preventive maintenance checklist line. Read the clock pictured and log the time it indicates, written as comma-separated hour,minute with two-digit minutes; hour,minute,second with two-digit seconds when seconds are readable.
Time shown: 10,30
